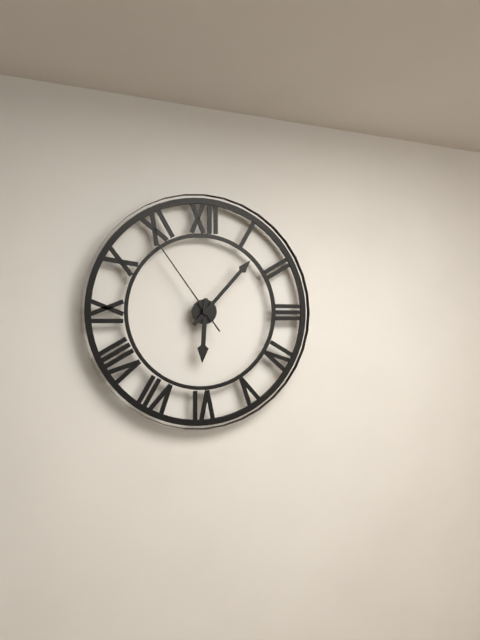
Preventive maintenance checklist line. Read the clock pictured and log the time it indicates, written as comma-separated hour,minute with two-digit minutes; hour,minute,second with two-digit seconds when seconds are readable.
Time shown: 6,07,54
